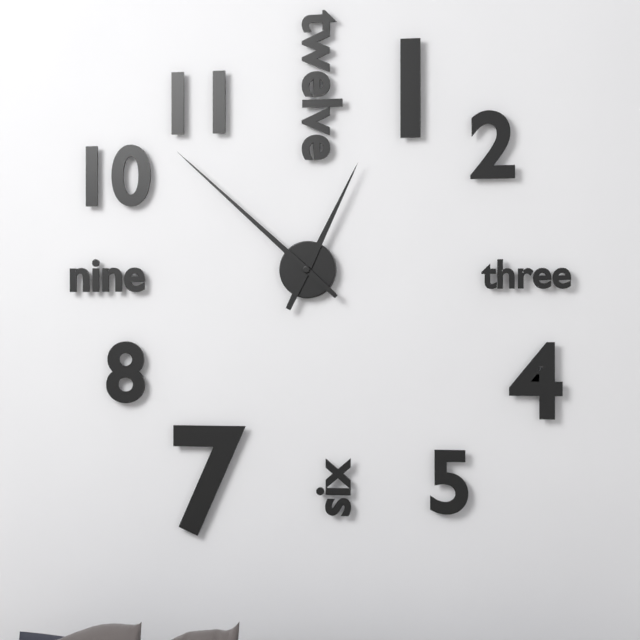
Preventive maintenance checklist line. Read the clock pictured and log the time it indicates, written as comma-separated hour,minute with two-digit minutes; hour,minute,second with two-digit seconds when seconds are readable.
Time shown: 12,52
